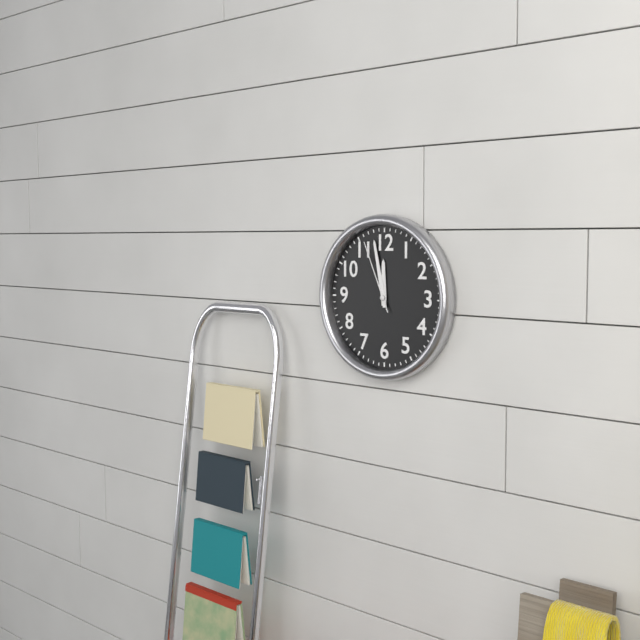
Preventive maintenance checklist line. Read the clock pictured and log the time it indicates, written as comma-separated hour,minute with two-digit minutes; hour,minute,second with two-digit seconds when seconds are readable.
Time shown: 11,58,56
